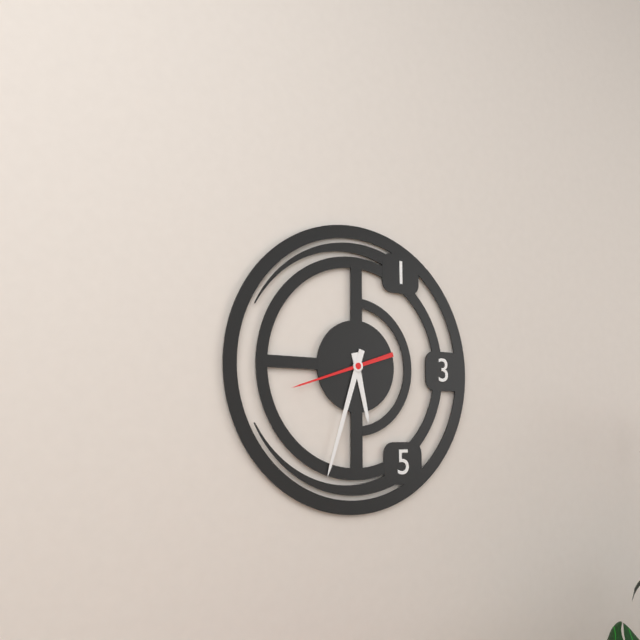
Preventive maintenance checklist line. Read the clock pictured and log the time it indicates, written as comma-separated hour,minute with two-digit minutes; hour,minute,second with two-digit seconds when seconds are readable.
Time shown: 5,33,42
